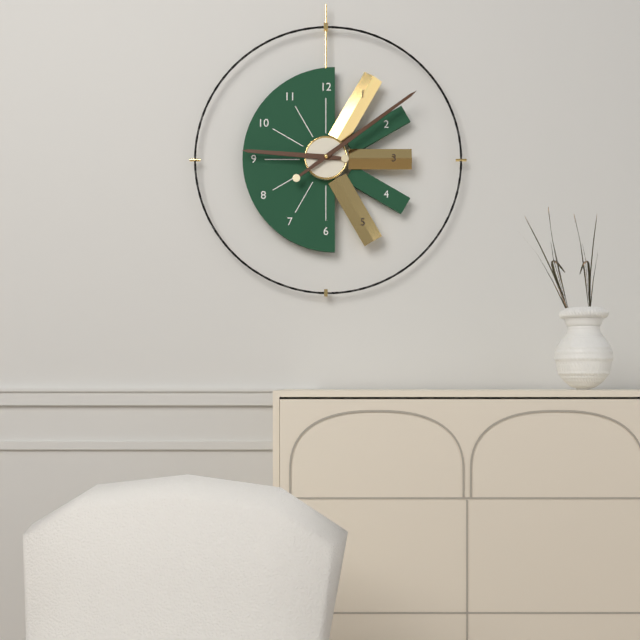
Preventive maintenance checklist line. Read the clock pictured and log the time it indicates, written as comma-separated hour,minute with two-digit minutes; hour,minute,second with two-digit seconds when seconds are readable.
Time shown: 9,09
